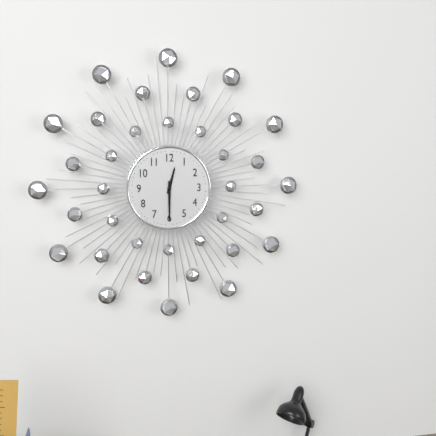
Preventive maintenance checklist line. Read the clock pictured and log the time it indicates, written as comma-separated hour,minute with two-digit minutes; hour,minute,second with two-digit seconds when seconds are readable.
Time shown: 12,30
